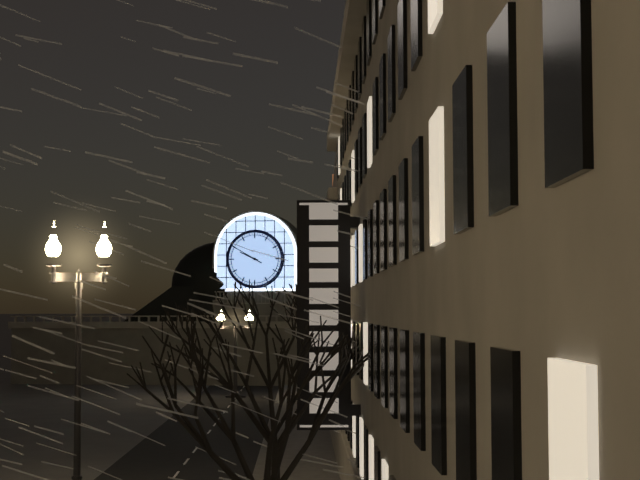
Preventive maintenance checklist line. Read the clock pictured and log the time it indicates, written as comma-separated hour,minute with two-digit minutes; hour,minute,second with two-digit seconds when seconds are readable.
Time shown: 9,50
